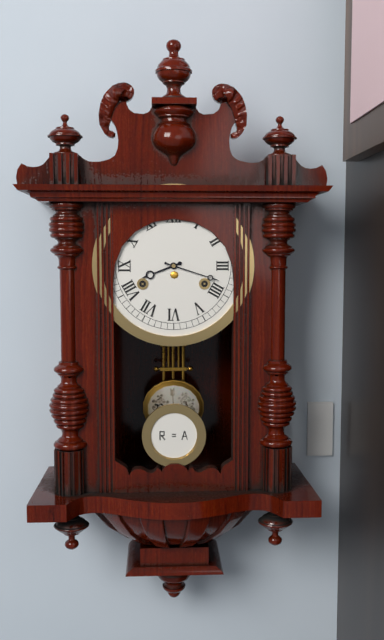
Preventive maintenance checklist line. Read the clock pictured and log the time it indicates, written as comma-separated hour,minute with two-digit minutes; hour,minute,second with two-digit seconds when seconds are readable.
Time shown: 8,18
